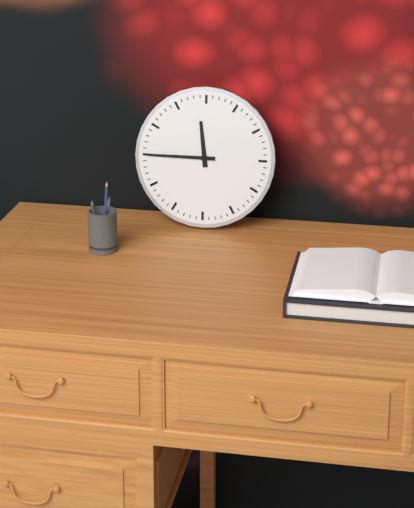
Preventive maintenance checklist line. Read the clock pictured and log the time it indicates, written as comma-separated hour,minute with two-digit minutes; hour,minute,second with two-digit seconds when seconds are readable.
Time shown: 11,45
